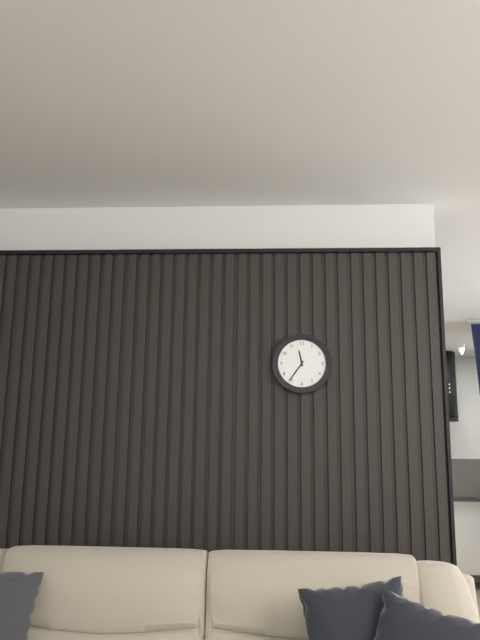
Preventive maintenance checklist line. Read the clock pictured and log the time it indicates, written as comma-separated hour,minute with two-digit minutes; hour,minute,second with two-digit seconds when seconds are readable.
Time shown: 11,36
